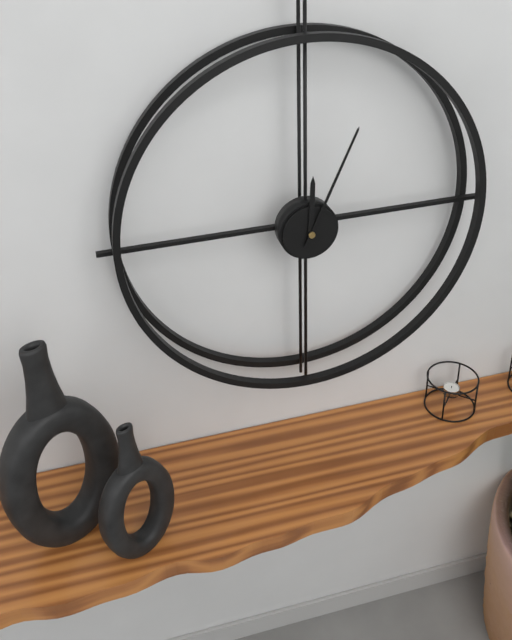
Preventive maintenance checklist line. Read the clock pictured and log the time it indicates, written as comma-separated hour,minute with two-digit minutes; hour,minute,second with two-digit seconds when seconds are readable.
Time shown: 12,04
